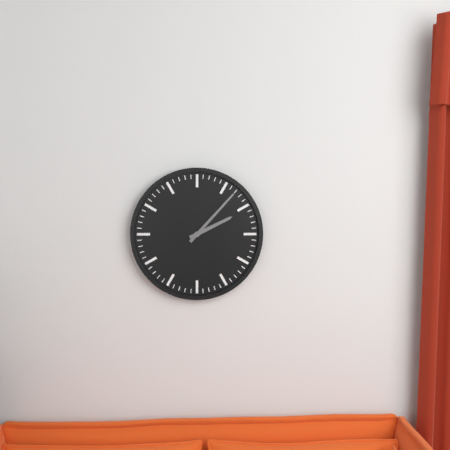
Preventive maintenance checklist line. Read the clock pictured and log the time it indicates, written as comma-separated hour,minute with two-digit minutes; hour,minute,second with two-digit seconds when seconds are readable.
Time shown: 2,07
